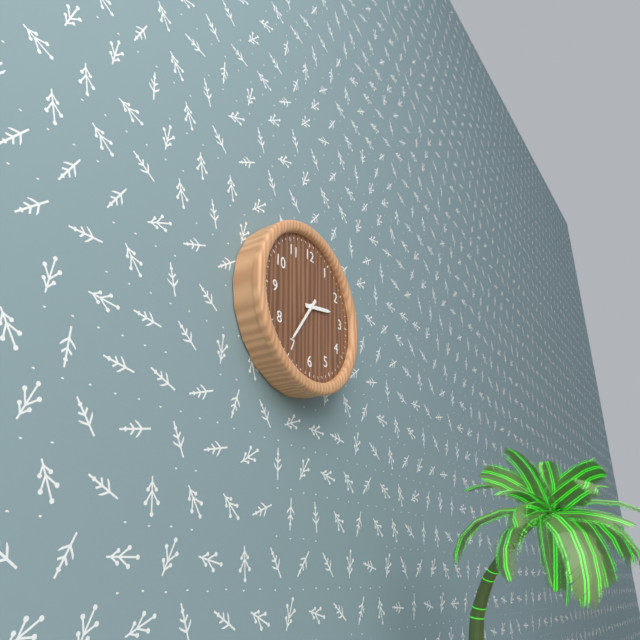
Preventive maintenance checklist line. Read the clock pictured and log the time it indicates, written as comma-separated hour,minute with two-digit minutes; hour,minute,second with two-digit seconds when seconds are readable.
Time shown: 2,36
